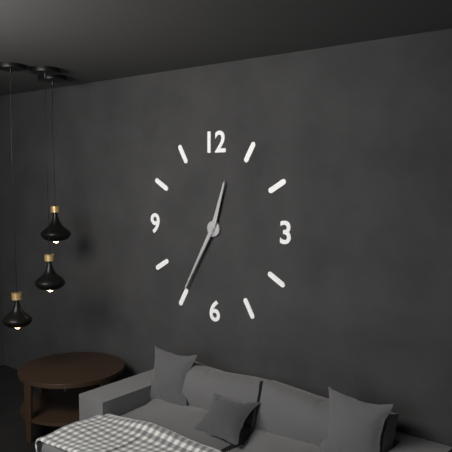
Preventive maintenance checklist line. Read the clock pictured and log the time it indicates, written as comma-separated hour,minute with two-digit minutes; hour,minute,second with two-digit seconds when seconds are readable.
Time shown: 12,35
